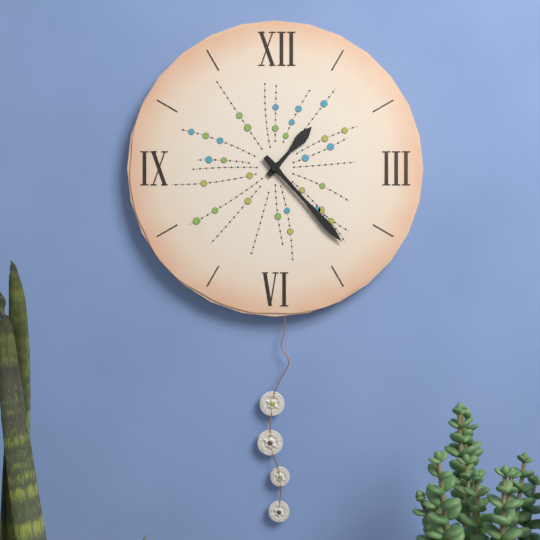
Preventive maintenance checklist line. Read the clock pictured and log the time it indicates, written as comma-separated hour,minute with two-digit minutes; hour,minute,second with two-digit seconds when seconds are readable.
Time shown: 1,23
